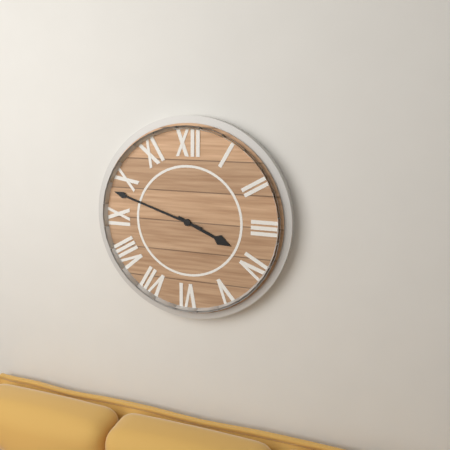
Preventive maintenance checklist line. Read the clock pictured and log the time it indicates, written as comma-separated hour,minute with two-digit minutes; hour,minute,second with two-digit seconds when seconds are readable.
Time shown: 3,48
